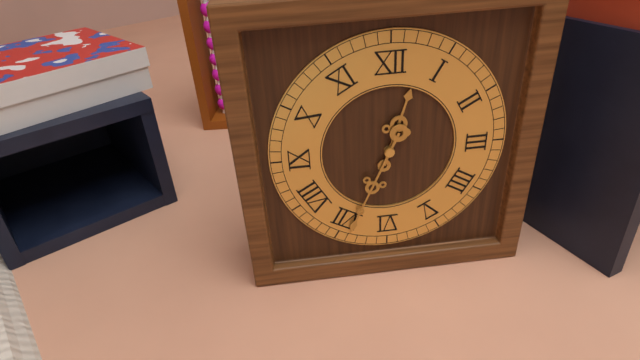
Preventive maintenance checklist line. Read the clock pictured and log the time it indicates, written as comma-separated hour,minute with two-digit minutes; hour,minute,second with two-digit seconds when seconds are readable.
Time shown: 12,34
